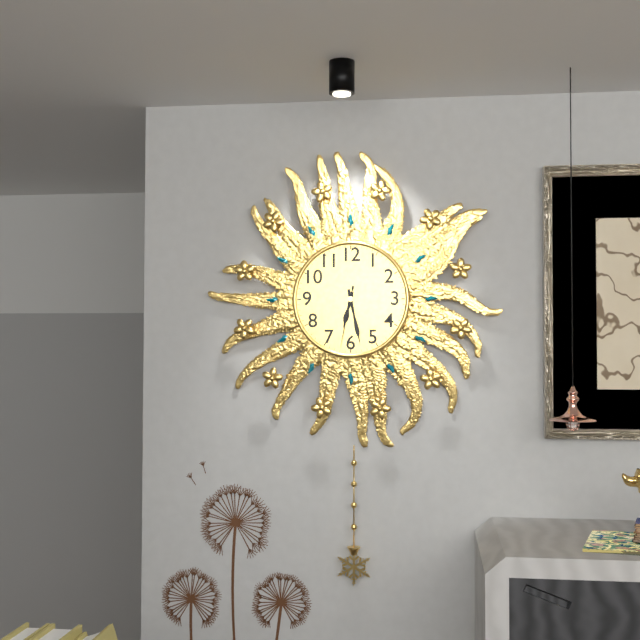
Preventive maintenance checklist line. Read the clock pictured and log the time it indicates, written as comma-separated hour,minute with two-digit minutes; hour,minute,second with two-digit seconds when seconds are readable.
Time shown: 6,28,32
